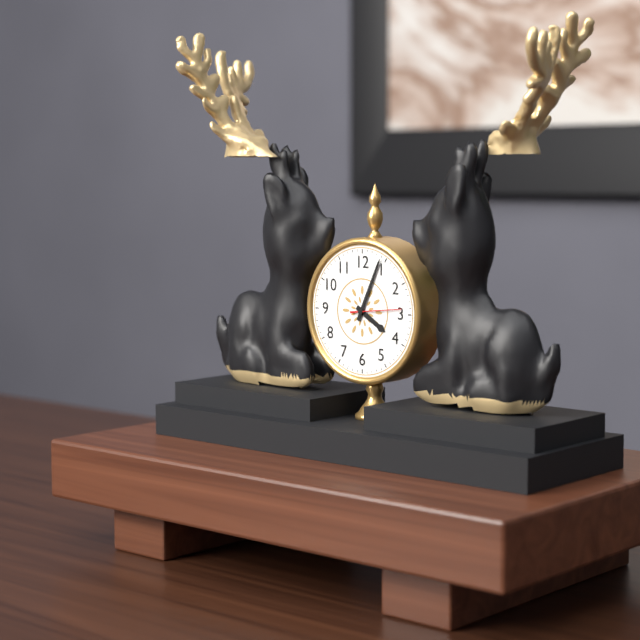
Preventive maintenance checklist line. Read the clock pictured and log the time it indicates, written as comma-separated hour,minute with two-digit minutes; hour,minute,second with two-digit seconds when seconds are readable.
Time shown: 4,04,14
